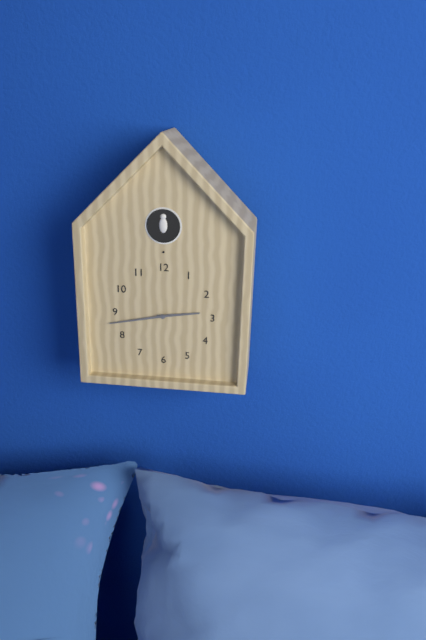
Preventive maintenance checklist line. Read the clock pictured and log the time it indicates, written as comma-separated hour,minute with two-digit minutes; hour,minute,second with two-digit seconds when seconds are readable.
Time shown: 2,43
